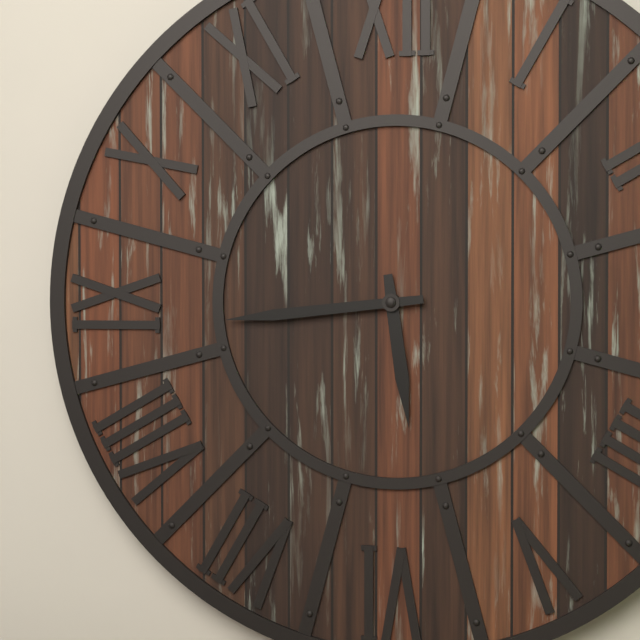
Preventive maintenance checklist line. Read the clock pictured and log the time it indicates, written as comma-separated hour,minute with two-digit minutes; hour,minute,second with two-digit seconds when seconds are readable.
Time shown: 5,44
